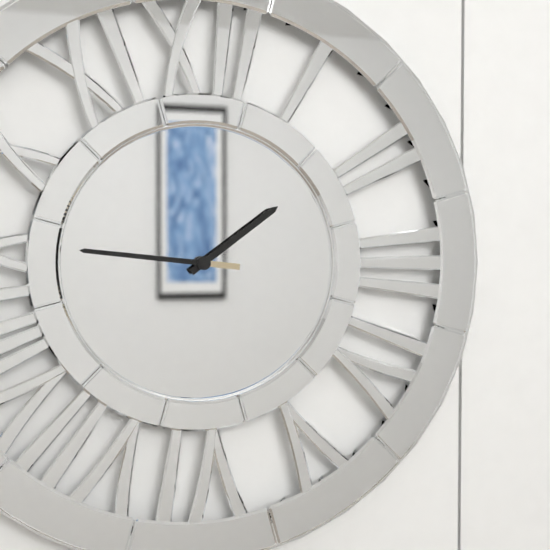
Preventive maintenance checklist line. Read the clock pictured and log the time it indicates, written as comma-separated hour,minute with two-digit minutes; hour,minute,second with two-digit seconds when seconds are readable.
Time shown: 1,46
